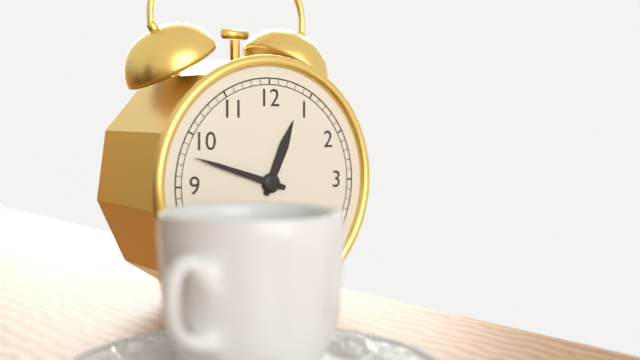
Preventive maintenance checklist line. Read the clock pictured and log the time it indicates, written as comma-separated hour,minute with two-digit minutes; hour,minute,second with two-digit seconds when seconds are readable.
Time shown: 12,48
